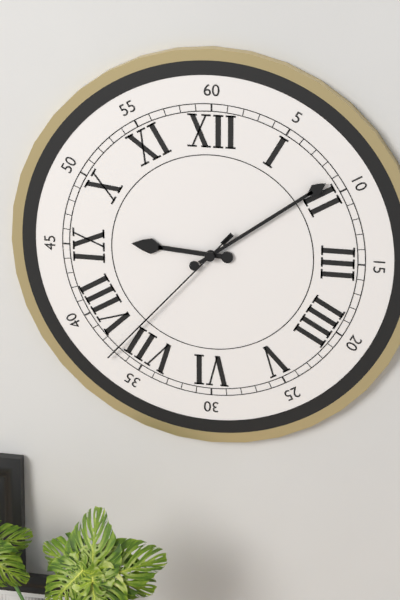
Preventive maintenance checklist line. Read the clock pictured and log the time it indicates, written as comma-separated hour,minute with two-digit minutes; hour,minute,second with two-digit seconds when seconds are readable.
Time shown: 9,09,37
